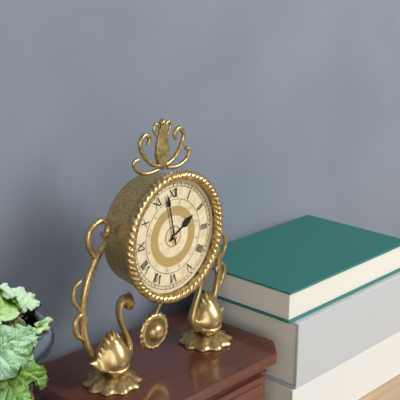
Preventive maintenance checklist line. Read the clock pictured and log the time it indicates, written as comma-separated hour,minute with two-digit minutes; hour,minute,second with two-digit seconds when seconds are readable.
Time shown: 1,58
